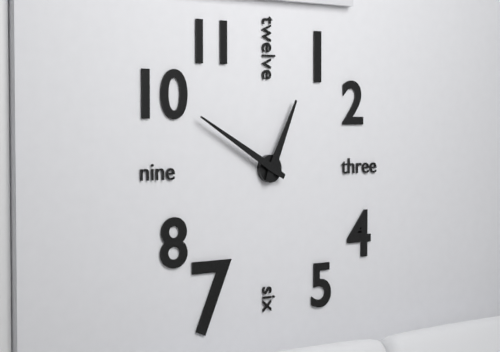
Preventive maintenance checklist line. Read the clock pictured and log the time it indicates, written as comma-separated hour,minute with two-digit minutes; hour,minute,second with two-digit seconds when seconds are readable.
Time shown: 12,50
